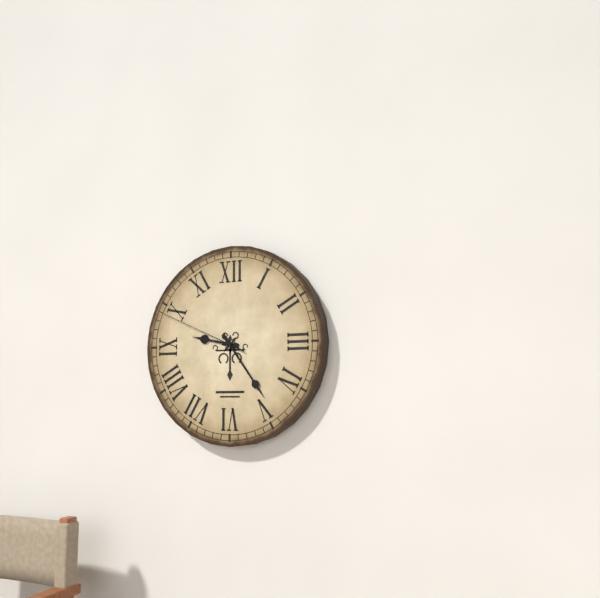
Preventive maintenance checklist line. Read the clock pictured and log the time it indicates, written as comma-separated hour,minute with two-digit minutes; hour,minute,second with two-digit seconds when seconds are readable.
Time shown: 9,24,49
